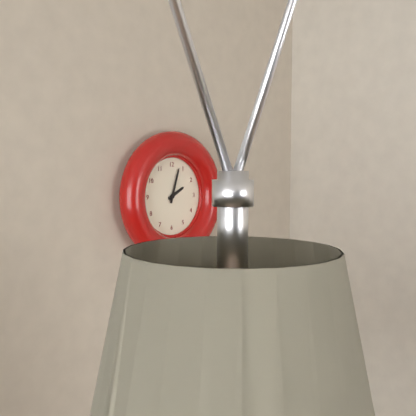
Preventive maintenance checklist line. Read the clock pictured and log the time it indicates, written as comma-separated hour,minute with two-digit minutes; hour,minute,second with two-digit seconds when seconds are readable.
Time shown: 2,03
